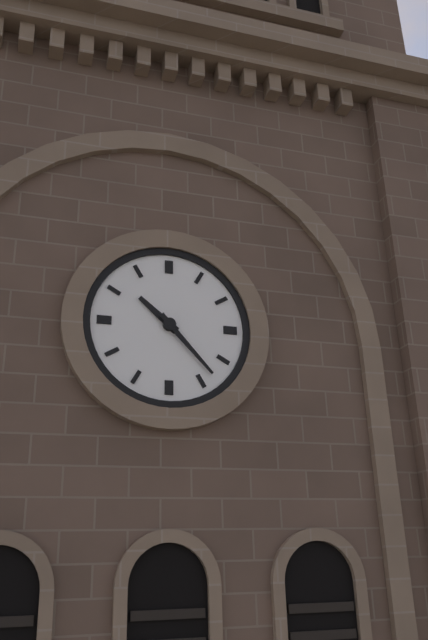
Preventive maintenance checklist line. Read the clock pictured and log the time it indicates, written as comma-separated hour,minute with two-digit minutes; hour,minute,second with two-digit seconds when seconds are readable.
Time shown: 10,23
